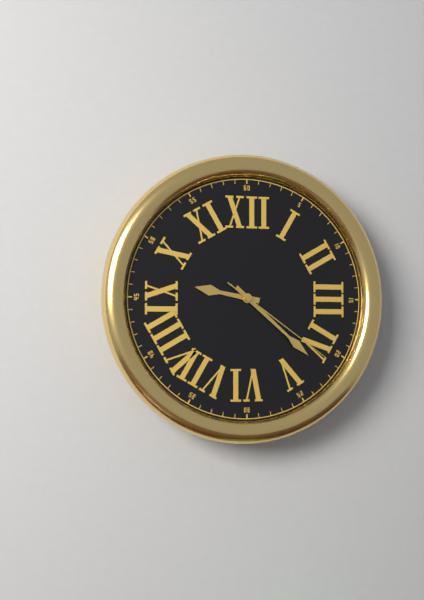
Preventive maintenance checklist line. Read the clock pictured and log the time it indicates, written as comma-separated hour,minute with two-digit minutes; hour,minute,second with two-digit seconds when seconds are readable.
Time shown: 9,22,21
